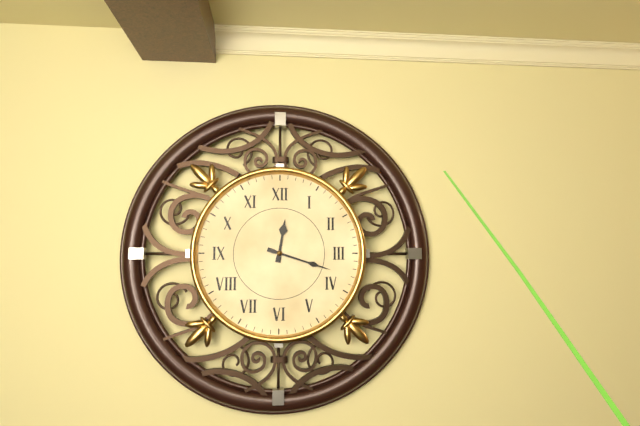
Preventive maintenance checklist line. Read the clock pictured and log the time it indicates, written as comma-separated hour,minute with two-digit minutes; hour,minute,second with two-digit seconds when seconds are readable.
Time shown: 12,18
